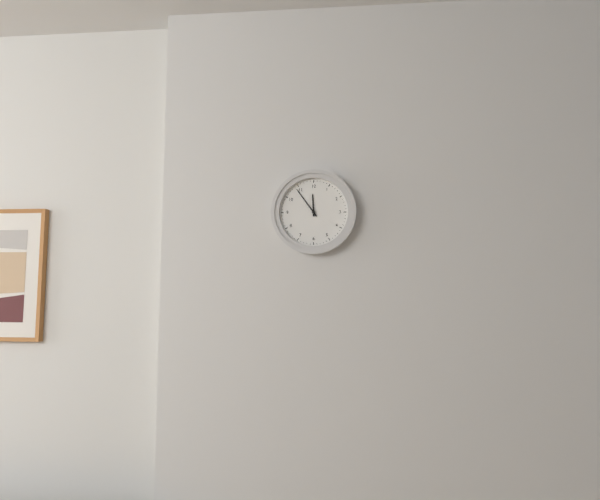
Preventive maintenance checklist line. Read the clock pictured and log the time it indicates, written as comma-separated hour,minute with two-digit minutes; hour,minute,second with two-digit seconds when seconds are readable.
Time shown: 11,54
